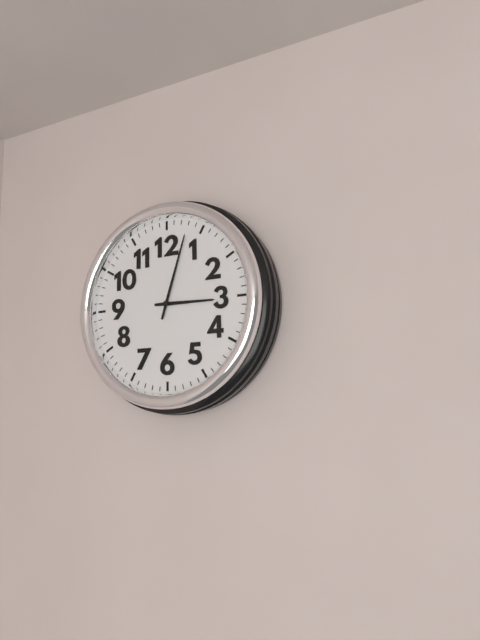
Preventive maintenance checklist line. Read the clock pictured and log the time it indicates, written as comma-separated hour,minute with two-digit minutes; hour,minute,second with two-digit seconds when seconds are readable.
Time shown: 3,03
